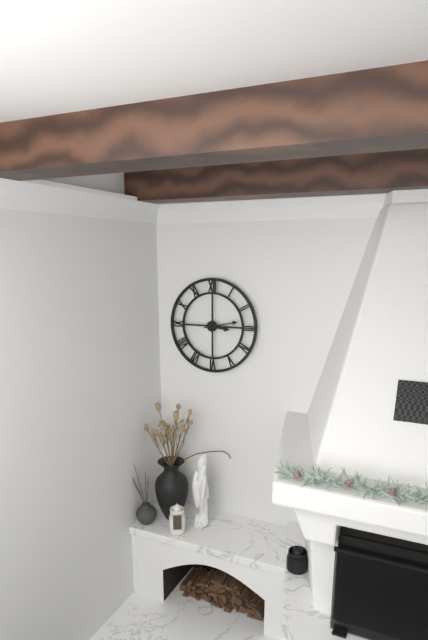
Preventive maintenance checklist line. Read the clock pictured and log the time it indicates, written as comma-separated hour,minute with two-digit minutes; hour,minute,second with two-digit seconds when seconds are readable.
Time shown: 3,13
